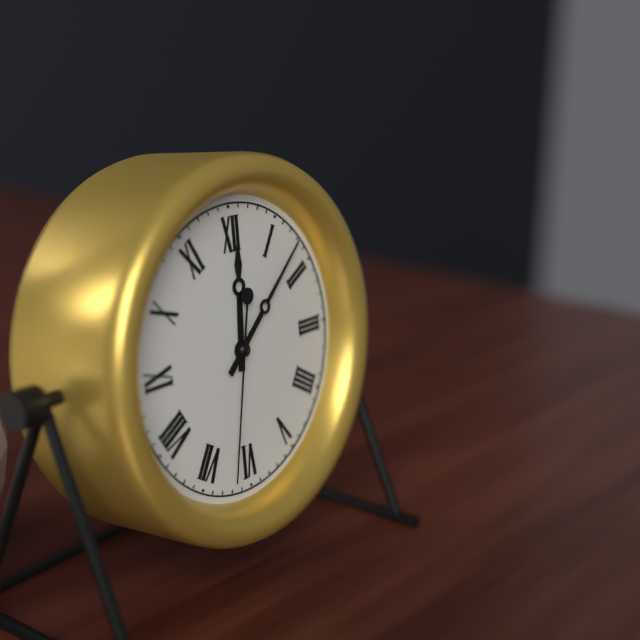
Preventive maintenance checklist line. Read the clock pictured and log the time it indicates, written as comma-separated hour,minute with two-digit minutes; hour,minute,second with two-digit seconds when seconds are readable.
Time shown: 12,08,32
